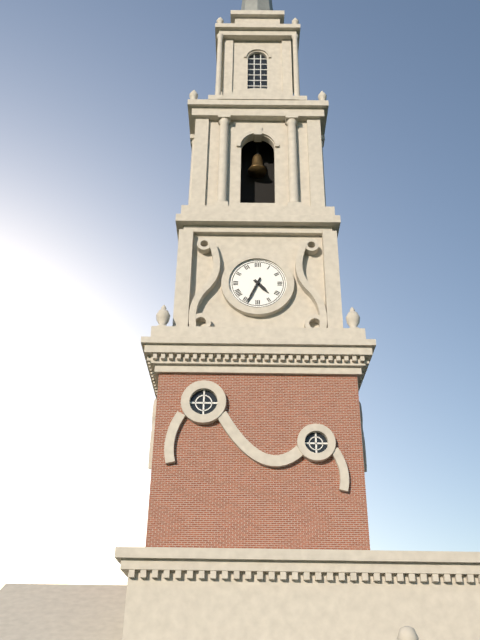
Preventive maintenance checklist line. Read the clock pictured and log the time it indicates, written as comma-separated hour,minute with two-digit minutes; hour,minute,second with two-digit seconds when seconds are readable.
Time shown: 4,34
